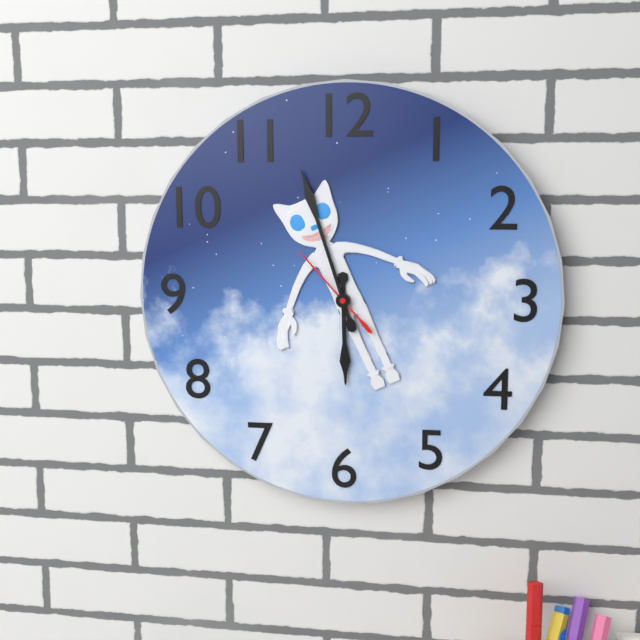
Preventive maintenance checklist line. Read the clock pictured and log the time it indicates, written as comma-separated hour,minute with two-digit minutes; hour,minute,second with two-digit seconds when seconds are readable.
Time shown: 5,57,53
